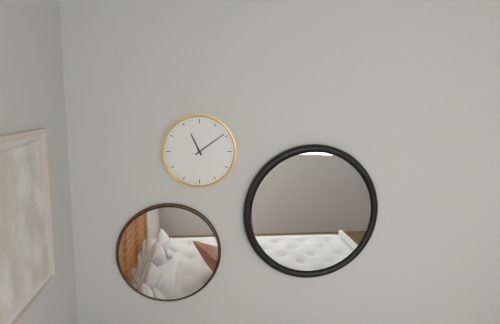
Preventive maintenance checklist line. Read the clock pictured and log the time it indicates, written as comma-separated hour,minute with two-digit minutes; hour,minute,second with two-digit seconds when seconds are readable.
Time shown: 11,09
